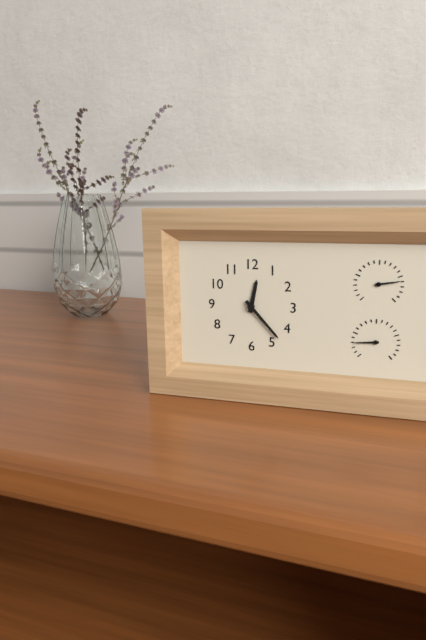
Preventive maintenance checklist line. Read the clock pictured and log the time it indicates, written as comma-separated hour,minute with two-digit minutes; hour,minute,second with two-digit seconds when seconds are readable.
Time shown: 12,23
